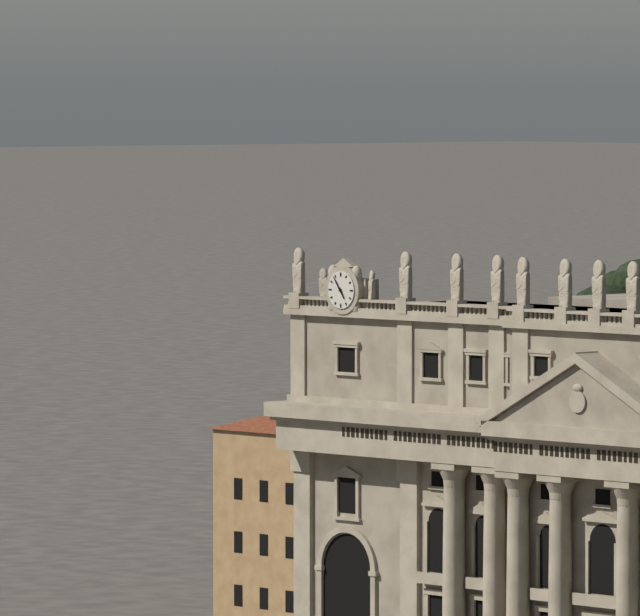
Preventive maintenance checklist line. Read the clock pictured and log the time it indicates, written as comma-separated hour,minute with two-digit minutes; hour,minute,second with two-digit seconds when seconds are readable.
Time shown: 4,54
